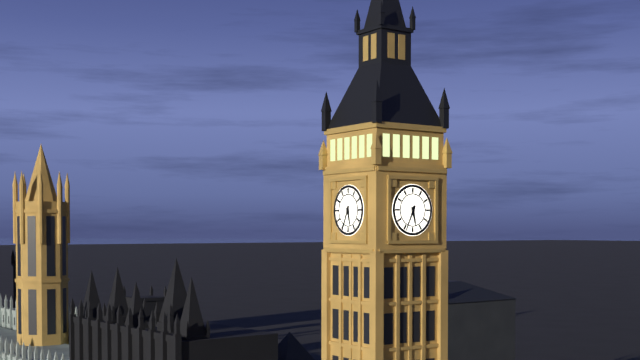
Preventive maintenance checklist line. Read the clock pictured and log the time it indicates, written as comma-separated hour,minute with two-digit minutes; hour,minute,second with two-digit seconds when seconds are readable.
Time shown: 5,34
